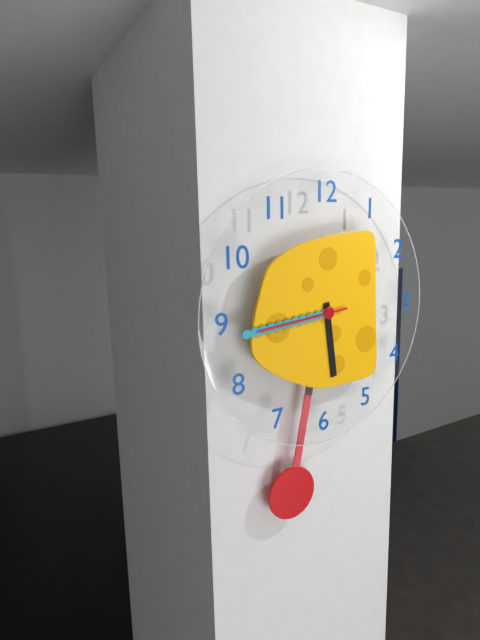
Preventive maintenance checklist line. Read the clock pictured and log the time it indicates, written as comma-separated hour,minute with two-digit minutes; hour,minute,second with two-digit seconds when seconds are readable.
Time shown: 5,44,44
